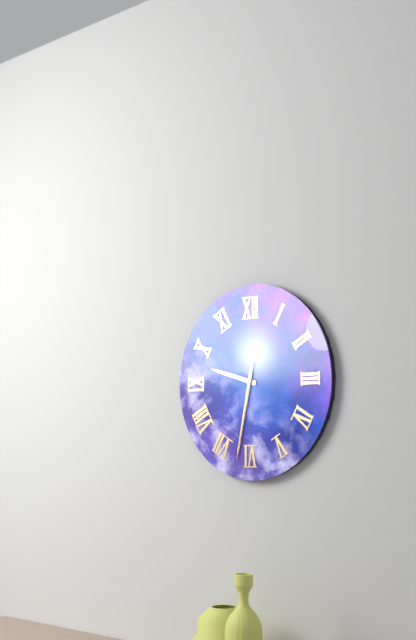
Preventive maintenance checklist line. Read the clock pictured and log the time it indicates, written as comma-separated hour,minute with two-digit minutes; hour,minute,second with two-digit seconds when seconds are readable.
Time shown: 9,32,32
